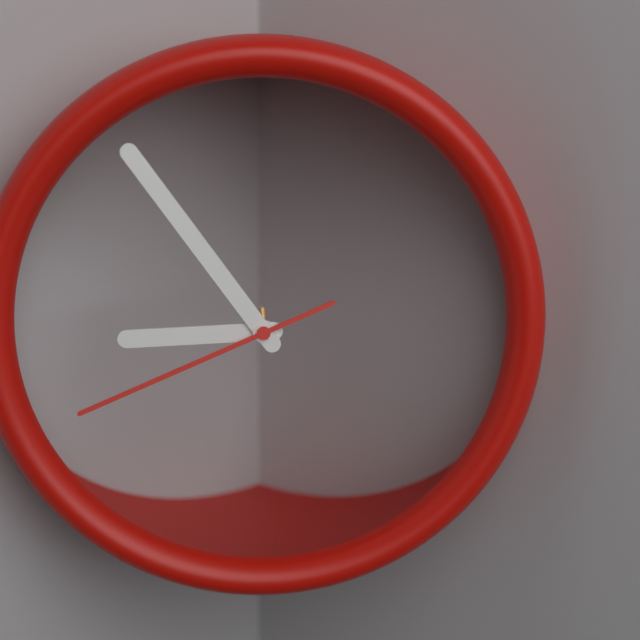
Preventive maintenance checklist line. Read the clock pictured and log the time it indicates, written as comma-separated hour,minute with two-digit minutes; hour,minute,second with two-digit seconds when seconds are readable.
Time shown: 8,54,41
